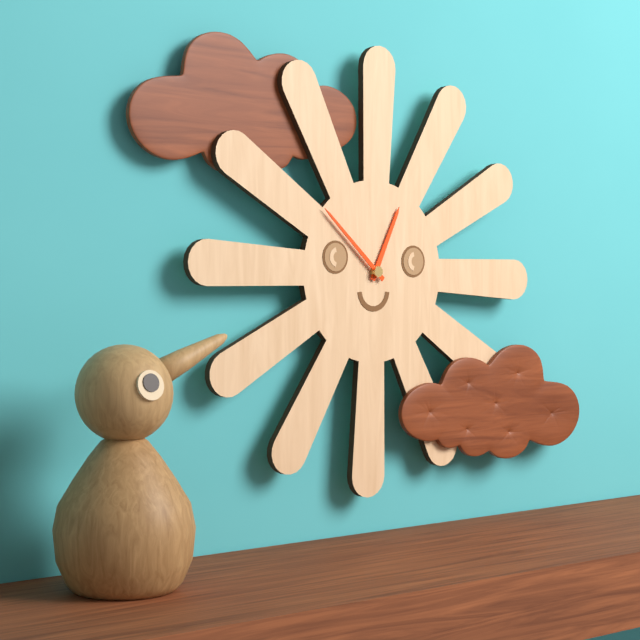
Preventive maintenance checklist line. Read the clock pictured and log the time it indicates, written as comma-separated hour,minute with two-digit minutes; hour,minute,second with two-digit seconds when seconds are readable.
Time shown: 12,52
